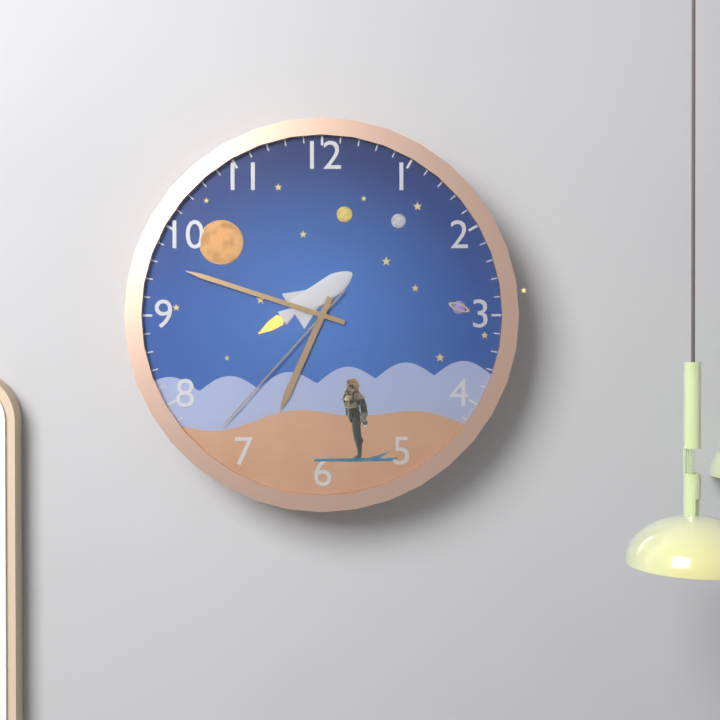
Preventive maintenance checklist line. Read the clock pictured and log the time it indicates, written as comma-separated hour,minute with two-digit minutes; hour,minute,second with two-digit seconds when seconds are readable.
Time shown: 6,48,37
